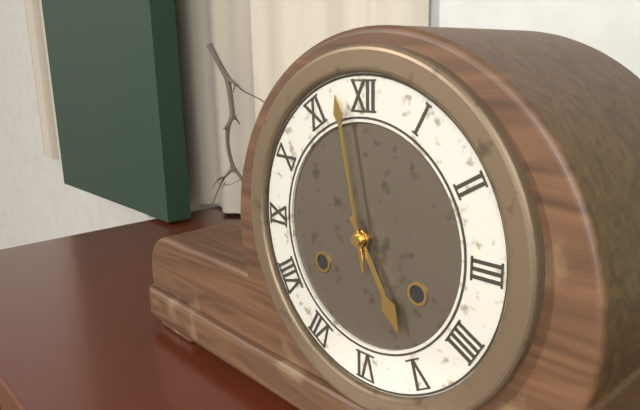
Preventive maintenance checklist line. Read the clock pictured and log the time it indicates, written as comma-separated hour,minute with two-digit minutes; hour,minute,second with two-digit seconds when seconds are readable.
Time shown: 4,58
